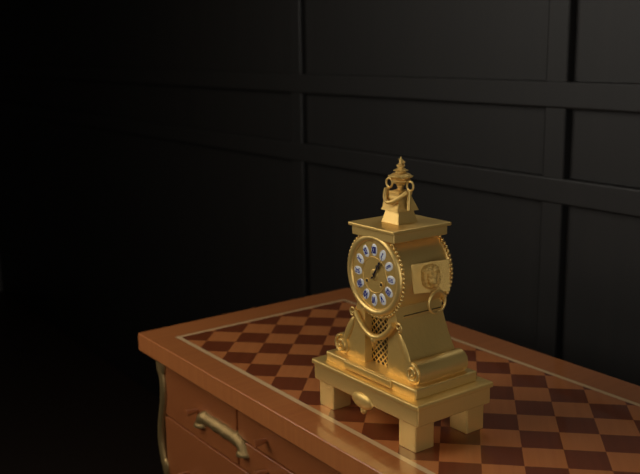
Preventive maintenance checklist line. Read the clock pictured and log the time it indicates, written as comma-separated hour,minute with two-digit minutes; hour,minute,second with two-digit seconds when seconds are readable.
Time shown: 1,06
